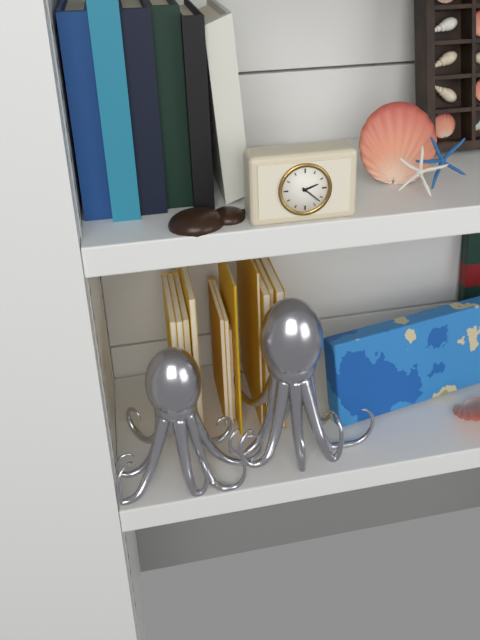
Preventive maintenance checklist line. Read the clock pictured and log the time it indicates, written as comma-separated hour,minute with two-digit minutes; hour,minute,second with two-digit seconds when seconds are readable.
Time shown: 2,22
